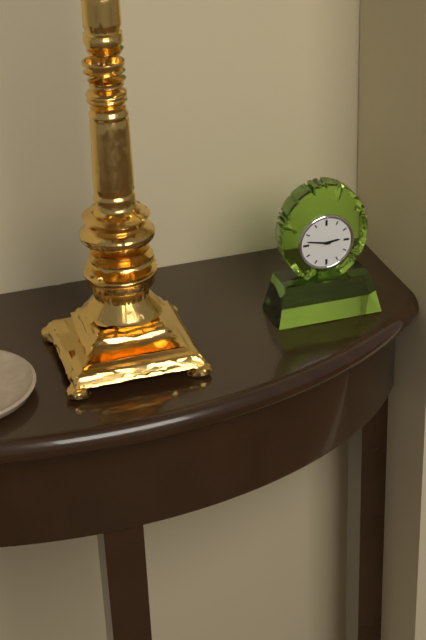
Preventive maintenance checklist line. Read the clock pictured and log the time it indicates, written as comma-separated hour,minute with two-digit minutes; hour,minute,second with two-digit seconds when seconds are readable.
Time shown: 2,47
